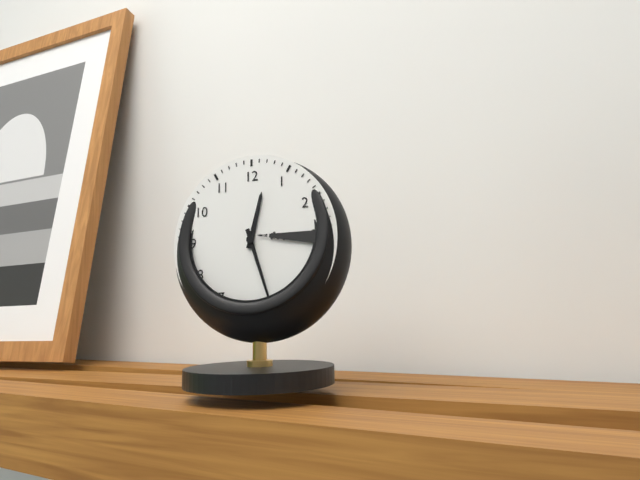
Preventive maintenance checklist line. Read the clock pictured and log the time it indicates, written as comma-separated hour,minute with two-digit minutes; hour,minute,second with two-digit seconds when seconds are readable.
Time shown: 12,27
